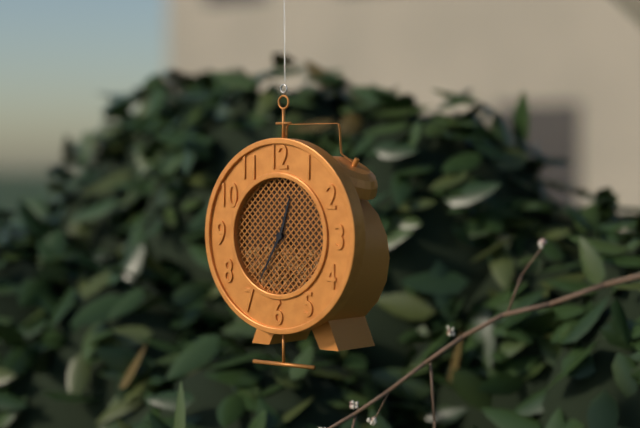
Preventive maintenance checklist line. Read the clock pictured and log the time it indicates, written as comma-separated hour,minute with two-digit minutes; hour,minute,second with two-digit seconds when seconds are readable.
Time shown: 12,35
